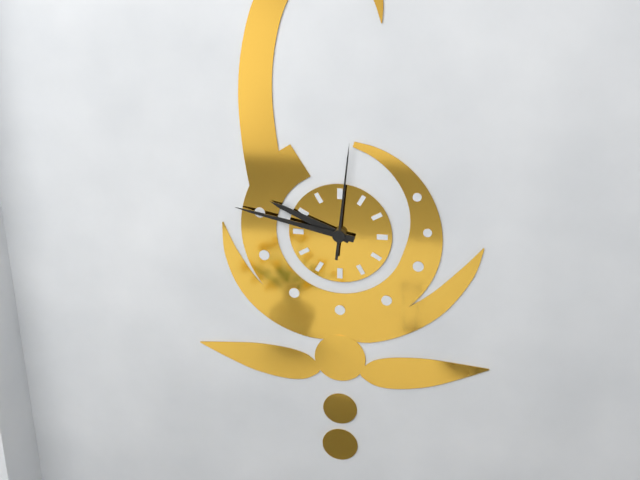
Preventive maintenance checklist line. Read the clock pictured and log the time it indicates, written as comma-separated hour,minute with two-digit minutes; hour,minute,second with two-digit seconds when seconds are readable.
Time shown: 9,47,01
